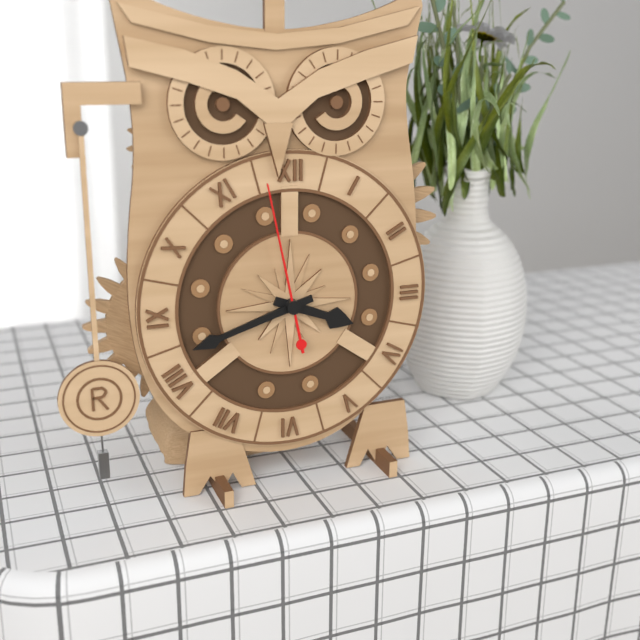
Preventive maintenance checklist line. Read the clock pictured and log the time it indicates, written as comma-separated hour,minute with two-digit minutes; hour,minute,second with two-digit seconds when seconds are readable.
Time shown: 3,42,58
